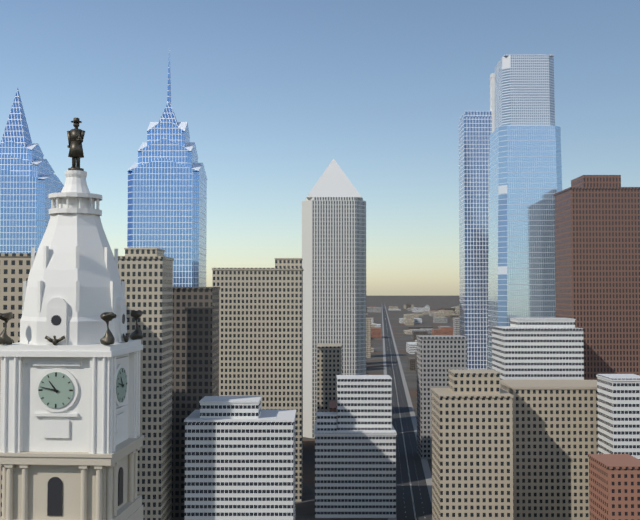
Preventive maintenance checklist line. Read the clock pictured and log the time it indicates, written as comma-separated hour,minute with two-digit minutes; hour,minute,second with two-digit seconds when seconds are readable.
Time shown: 10,47
